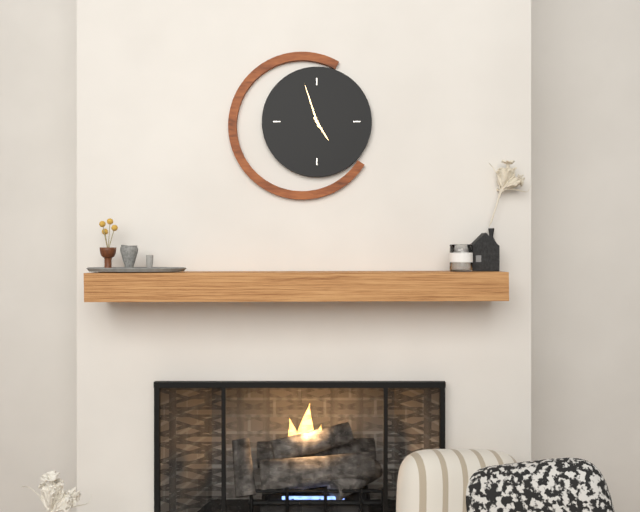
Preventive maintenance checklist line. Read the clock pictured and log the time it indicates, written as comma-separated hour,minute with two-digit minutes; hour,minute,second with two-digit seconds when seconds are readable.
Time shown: 4,57
